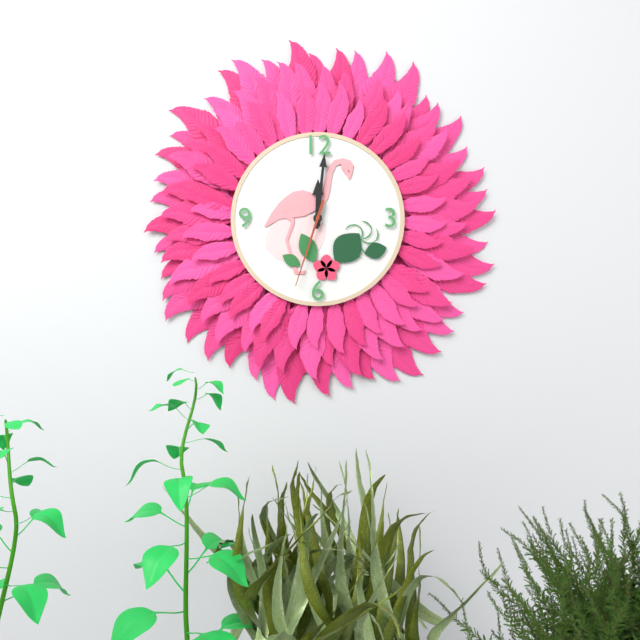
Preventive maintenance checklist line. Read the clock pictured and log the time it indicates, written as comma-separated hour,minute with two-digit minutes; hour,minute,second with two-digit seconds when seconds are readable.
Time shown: 12,01,33
